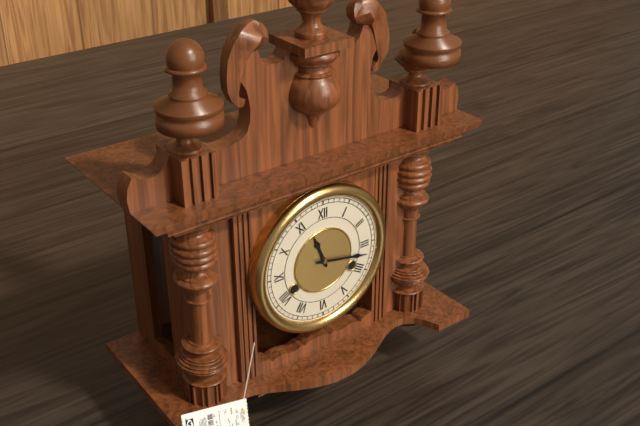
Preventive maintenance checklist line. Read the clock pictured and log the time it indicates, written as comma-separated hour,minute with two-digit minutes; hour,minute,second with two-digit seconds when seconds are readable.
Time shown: 11,17
